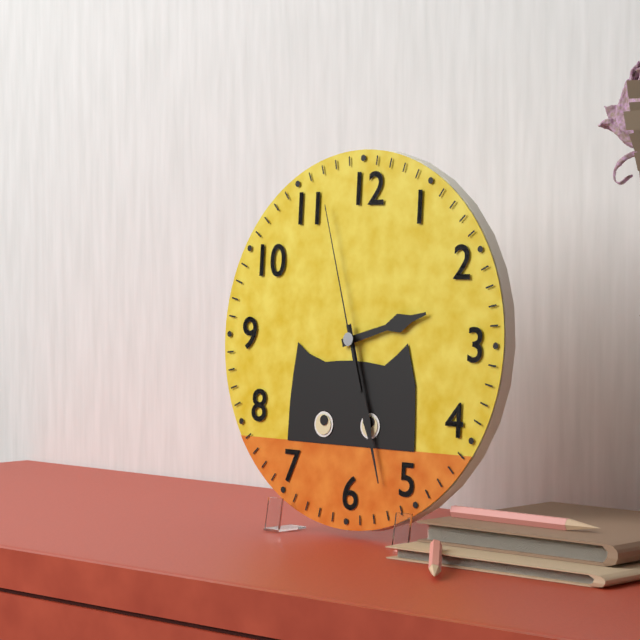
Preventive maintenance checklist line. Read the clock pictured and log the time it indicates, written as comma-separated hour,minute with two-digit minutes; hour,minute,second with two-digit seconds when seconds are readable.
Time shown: 2,27,57
